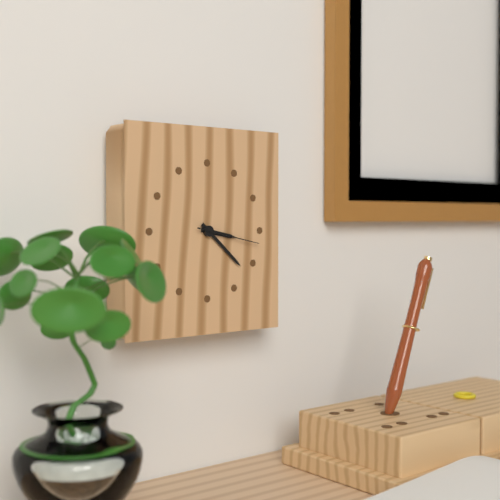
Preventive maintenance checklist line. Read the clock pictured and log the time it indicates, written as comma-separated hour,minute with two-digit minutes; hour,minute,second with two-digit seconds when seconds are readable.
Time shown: 3,22,17
